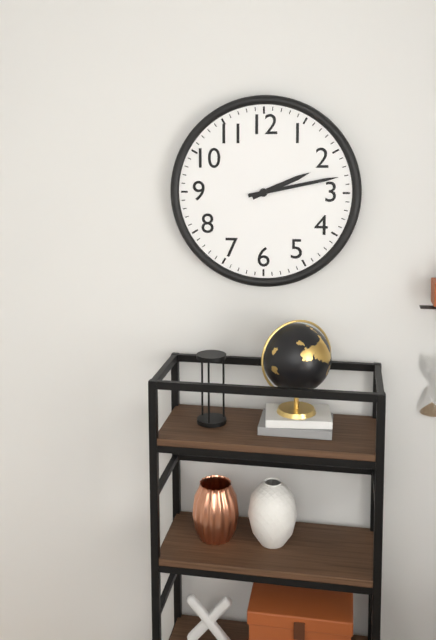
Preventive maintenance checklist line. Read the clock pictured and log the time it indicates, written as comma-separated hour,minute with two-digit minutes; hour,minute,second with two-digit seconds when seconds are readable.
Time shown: 2,13
